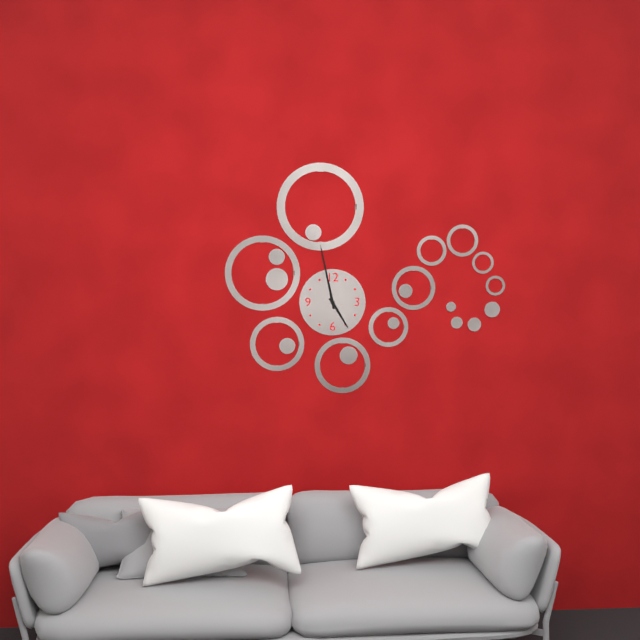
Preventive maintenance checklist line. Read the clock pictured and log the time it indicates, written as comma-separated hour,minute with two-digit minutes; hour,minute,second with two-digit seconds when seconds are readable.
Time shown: 4,58
